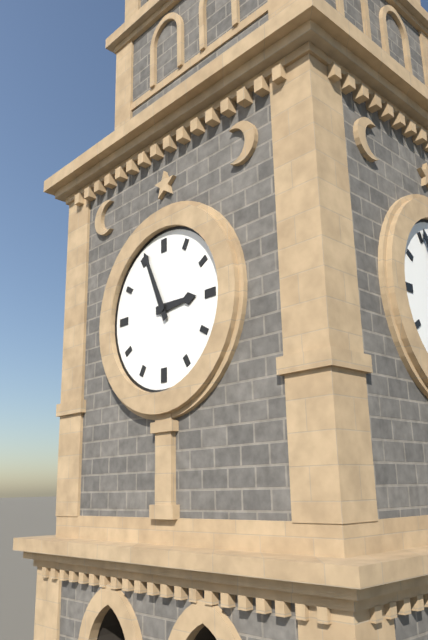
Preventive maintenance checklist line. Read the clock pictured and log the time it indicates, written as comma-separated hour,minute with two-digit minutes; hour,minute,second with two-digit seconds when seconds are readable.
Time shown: 2,56
